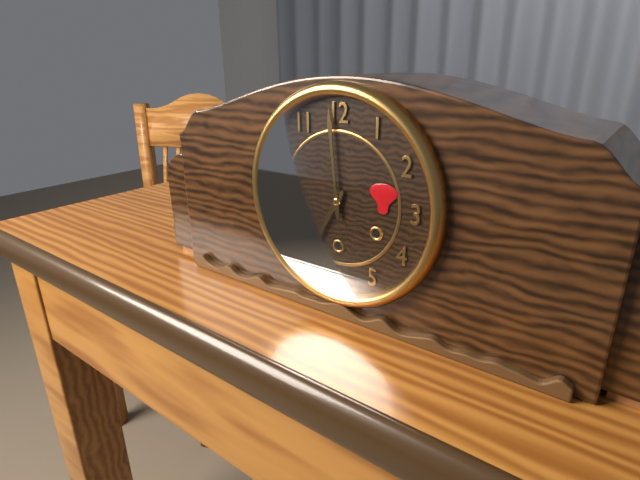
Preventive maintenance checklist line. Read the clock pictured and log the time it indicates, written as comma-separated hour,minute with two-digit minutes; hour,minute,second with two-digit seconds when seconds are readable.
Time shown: 6,59
